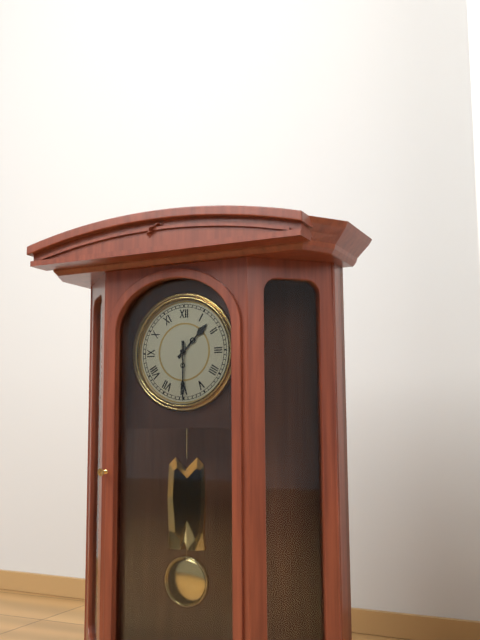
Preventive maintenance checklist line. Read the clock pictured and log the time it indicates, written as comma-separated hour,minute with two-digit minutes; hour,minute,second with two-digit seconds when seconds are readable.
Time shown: 1,30
